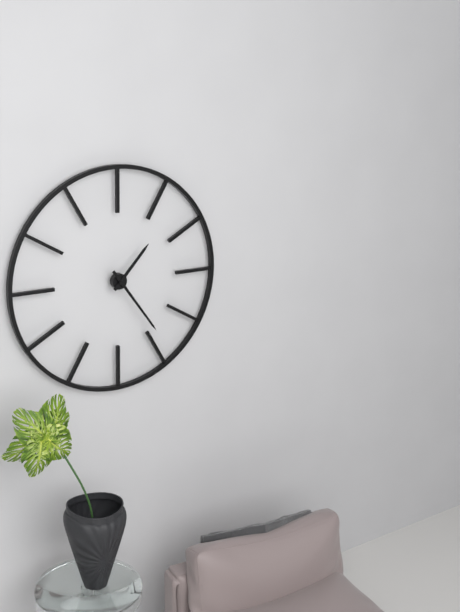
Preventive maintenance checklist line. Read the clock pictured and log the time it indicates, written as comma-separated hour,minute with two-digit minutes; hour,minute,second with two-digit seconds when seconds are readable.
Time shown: 1,24
